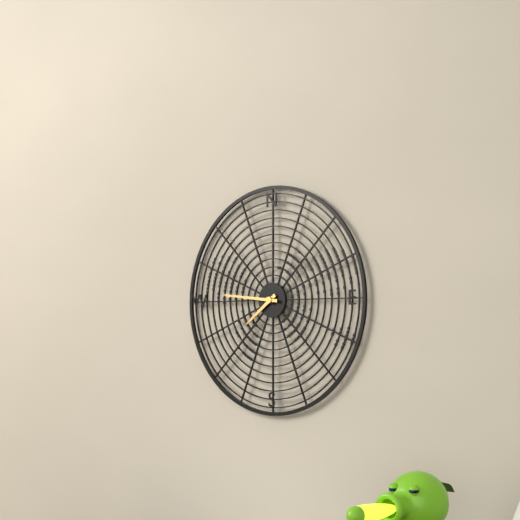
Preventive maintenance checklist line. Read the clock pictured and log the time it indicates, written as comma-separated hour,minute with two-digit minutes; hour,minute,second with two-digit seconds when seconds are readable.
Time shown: 7,46
